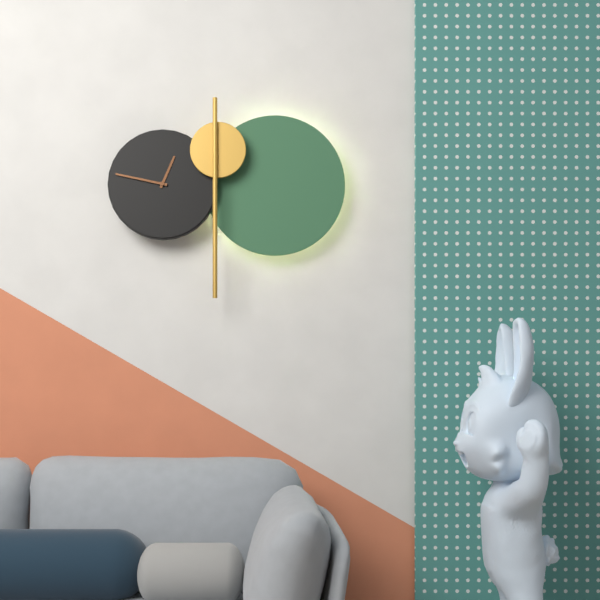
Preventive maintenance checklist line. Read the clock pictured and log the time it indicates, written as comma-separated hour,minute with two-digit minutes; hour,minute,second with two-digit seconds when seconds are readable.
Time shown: 12,47
